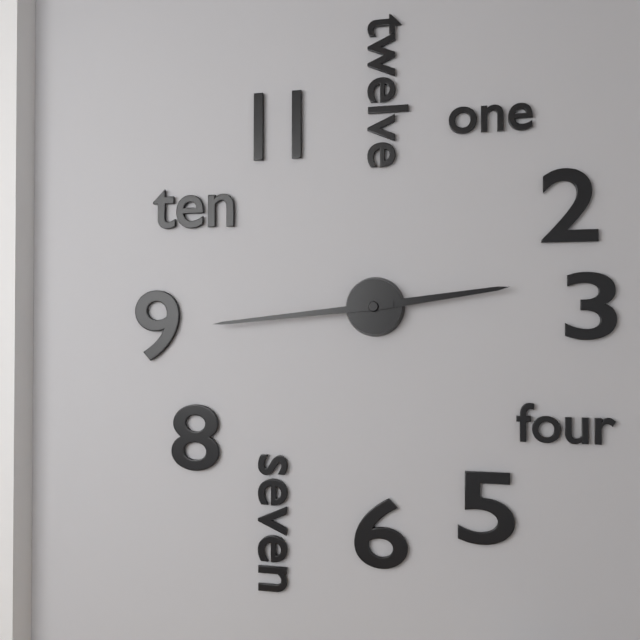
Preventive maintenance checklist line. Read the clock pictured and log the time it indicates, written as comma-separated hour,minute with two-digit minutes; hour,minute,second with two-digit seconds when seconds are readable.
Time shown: 2,44
